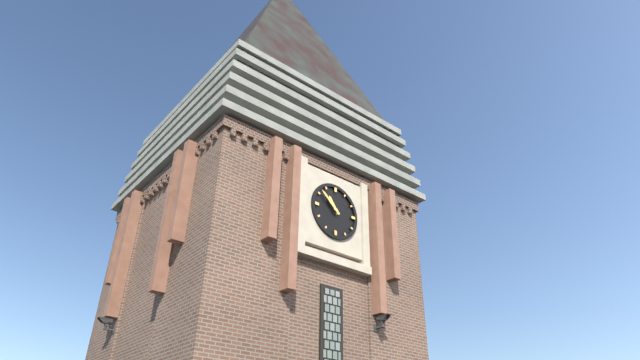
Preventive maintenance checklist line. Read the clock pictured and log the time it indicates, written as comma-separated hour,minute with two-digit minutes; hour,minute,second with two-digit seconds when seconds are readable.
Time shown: 10,52
